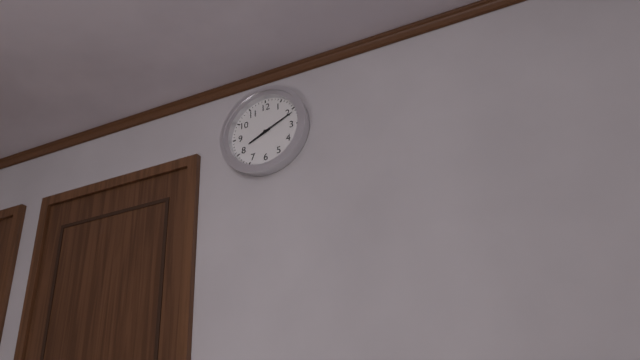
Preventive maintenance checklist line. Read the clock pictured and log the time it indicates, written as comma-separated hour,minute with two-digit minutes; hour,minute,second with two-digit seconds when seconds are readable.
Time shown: 8,11
